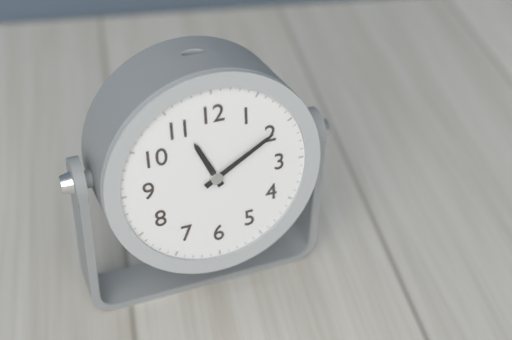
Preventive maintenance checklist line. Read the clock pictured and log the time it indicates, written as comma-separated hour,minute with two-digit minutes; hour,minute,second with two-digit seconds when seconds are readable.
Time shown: 11,10
